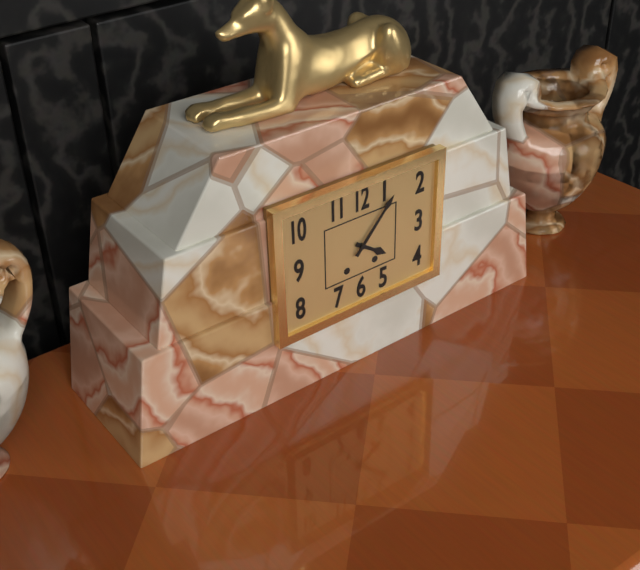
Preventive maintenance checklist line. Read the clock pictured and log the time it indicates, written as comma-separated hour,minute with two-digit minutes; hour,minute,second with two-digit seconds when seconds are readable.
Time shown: 4,07
